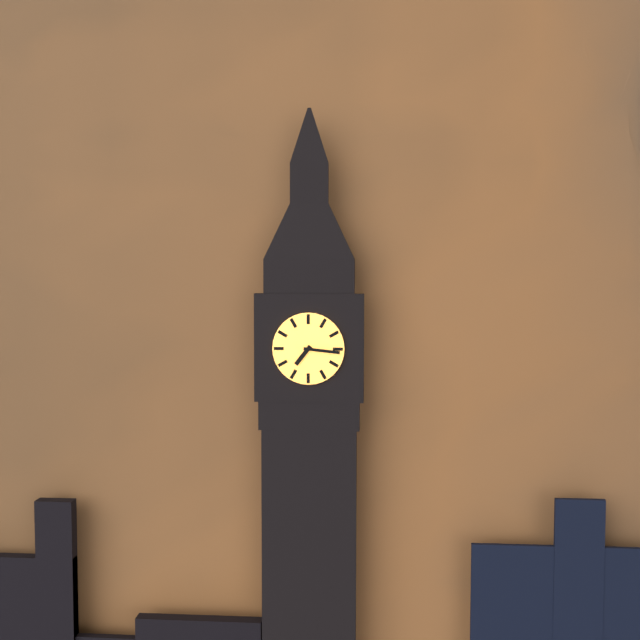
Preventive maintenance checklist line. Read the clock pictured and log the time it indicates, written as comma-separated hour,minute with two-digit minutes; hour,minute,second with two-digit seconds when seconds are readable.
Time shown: 7,16
